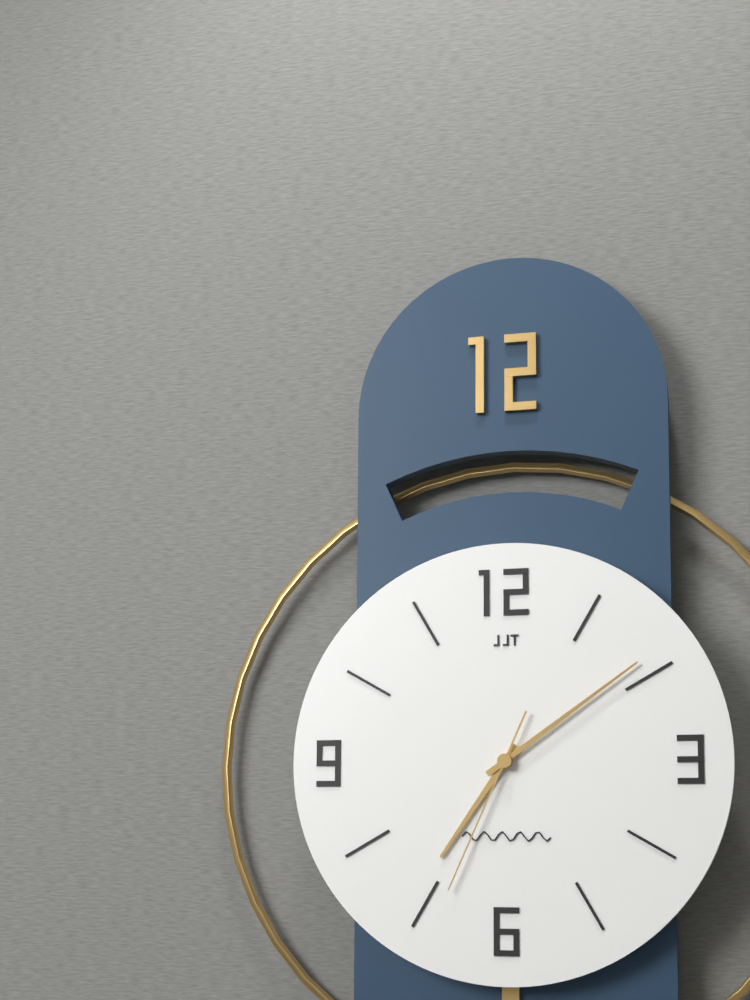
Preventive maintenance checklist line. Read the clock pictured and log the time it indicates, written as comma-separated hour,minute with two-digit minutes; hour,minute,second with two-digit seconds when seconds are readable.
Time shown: 7,09,34
